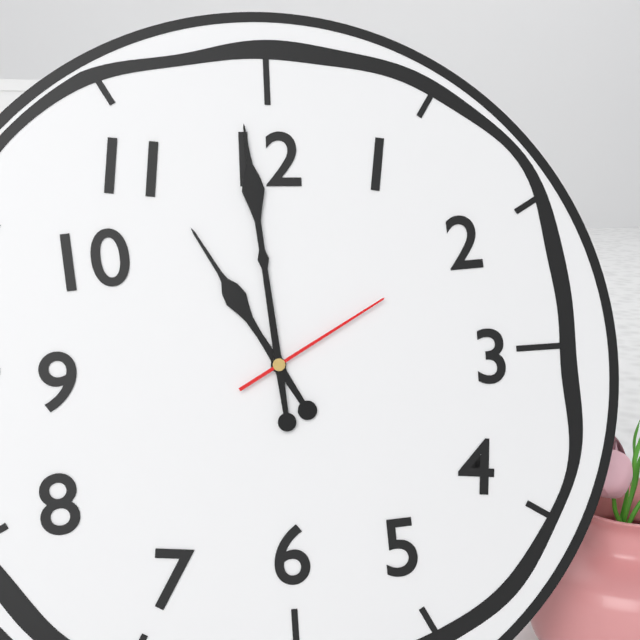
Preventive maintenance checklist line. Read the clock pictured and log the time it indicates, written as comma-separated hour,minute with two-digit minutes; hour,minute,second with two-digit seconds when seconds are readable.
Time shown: 10,59,10
